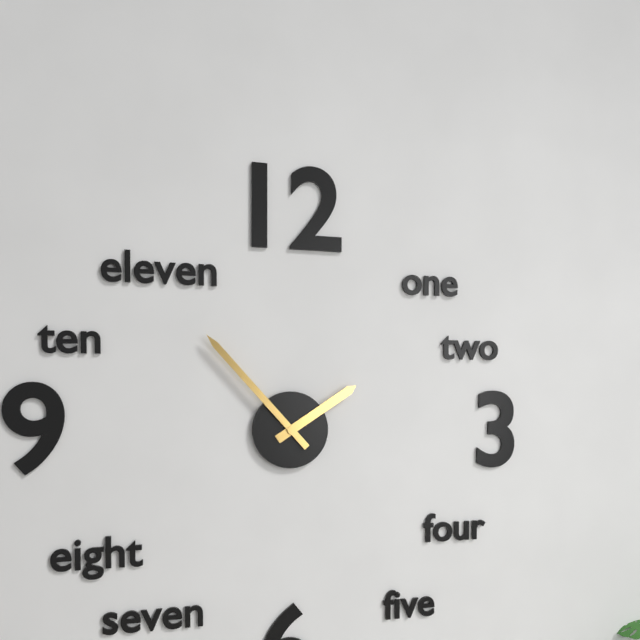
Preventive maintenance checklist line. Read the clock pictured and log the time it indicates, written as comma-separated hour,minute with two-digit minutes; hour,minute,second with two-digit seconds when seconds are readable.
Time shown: 1,53
